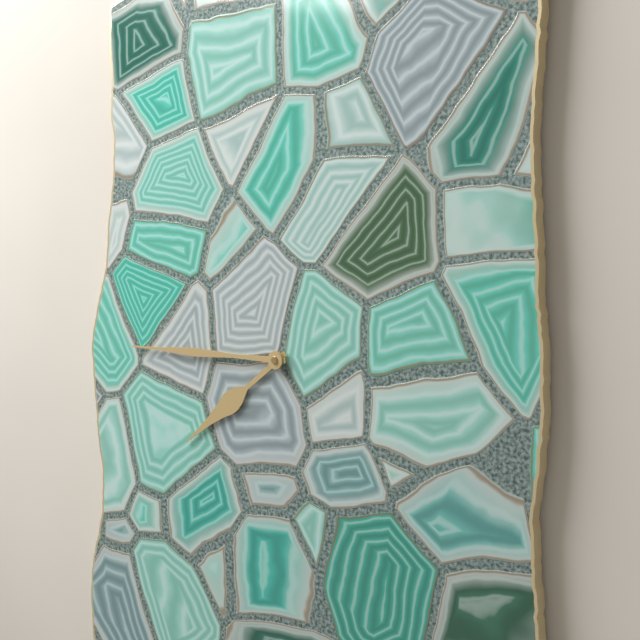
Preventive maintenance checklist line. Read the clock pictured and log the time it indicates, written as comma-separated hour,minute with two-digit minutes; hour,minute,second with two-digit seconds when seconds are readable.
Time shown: 7,45
